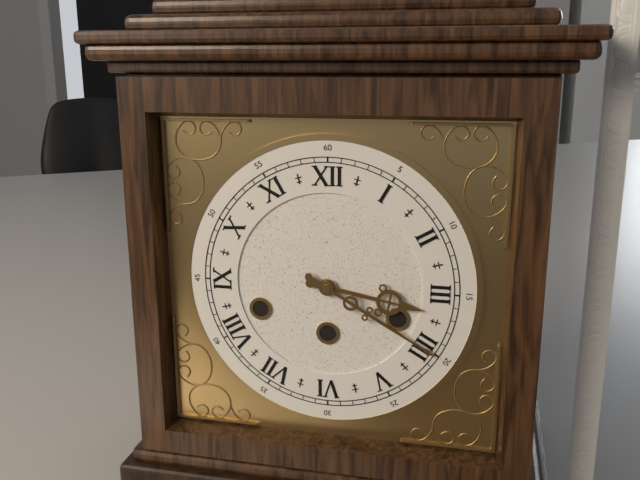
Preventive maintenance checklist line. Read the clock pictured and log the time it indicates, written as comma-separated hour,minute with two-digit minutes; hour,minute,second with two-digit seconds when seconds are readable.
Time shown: 3,20
